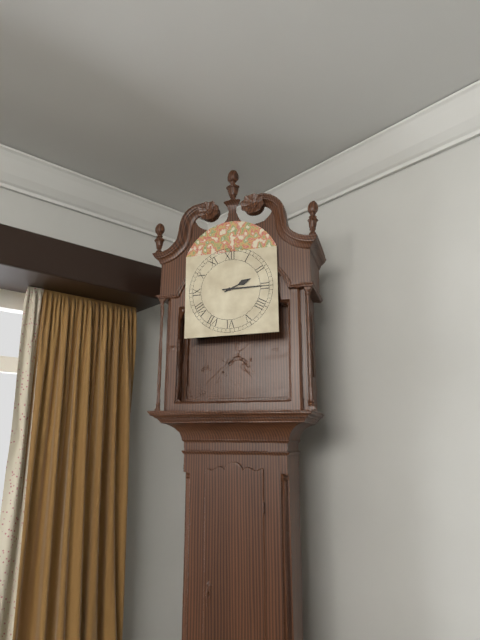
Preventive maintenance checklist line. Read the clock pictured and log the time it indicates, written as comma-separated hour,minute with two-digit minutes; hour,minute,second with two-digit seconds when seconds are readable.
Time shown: 2,15
